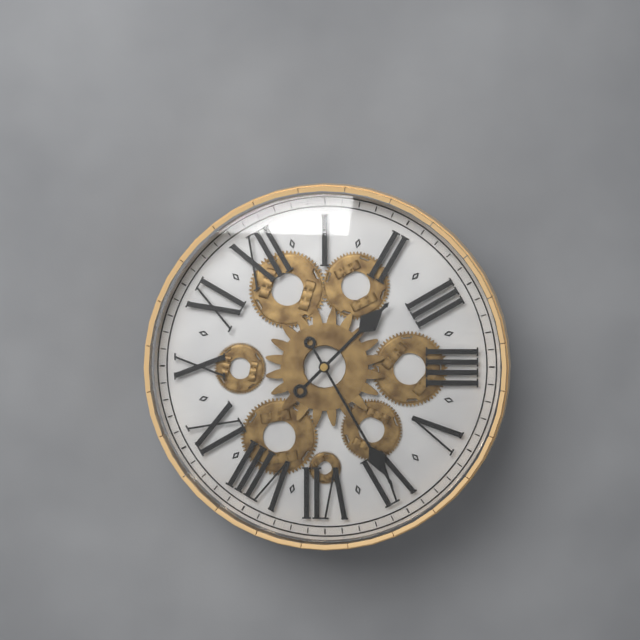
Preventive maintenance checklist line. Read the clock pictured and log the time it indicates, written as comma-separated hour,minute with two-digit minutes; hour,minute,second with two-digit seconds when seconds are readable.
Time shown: 2,30
